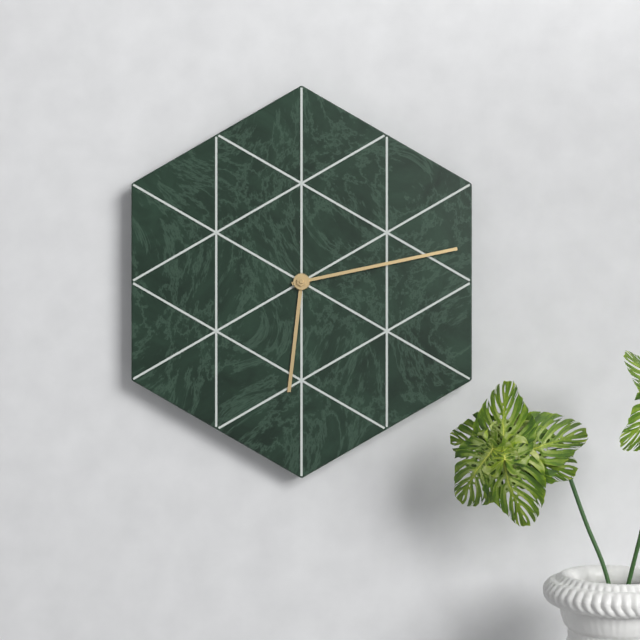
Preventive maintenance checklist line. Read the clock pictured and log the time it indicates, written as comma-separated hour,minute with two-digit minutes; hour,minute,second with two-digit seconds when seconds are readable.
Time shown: 6,13
